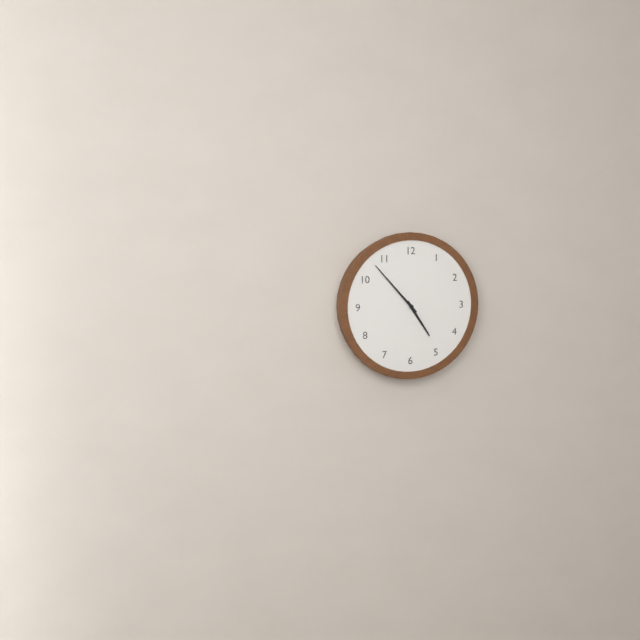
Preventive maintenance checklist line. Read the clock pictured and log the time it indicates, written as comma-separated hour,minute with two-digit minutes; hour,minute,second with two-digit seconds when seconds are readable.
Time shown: 4,53
